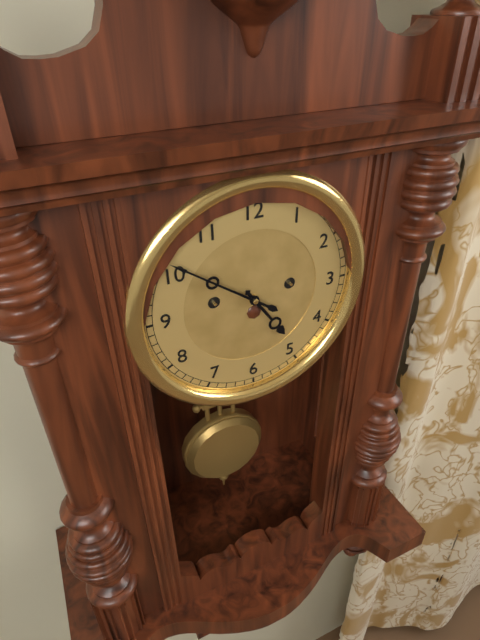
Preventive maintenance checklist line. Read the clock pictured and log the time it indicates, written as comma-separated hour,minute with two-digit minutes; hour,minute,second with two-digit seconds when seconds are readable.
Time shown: 4,51
